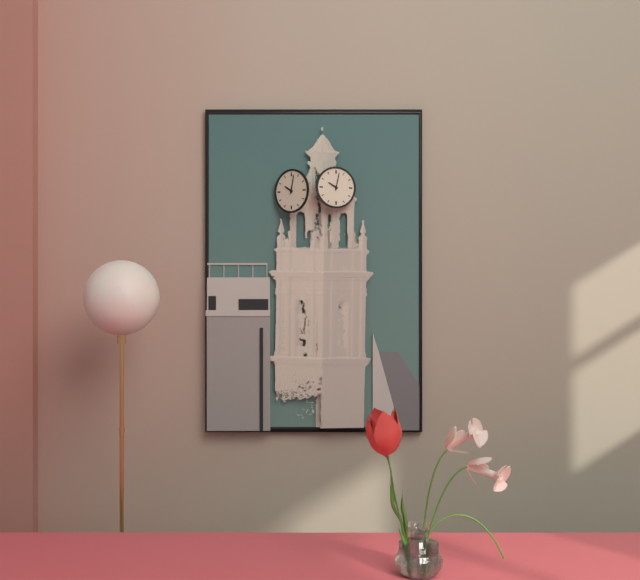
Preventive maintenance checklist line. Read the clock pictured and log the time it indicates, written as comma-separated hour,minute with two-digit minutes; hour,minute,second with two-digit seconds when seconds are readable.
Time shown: 10,02
